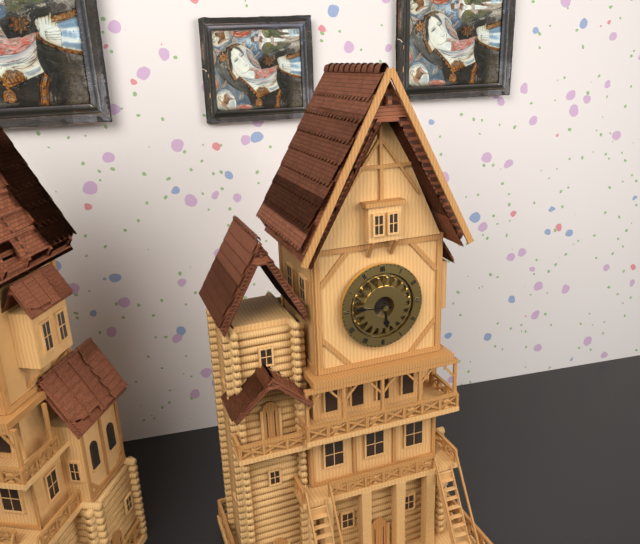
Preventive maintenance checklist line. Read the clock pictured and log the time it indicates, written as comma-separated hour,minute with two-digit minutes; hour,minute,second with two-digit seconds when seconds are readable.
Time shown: 5,46
